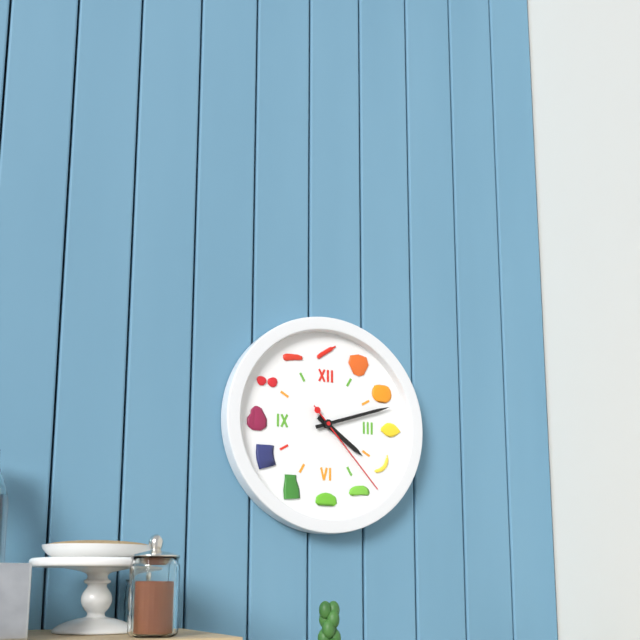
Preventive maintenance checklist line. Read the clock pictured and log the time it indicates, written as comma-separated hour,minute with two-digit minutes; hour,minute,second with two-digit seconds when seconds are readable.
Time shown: 4,12,23
